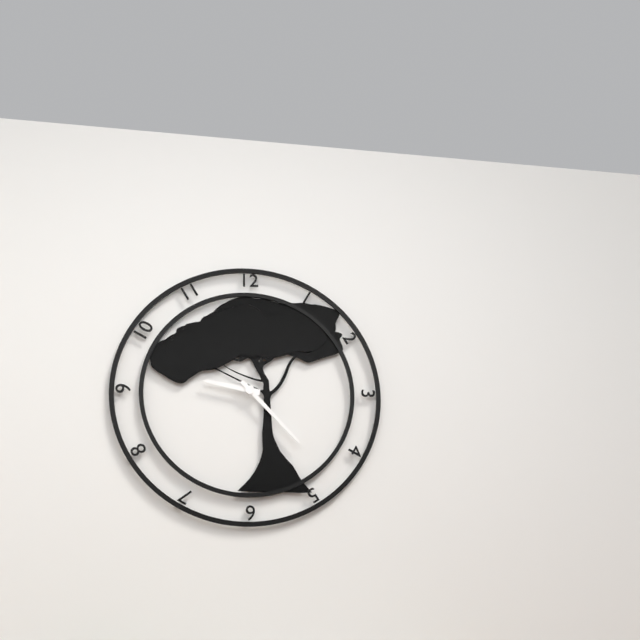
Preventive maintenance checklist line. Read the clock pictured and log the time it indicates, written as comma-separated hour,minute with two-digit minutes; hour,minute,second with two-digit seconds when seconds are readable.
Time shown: 9,23
